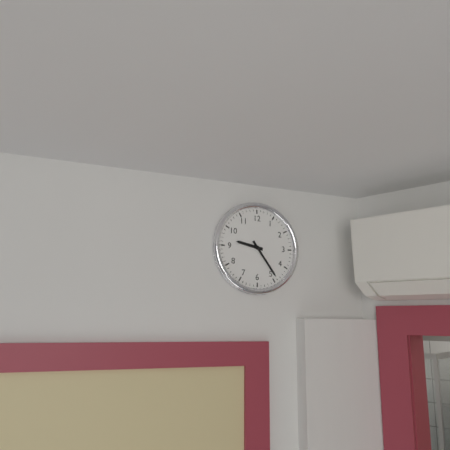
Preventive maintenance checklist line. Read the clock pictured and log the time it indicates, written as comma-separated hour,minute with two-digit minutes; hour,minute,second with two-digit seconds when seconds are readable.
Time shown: 9,24
